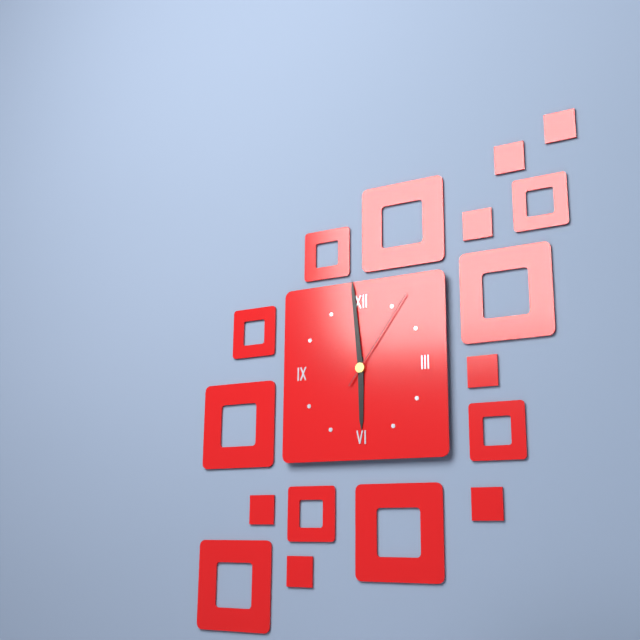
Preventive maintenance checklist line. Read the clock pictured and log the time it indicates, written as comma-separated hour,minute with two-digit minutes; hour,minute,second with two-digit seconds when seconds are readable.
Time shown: 5,59,06
